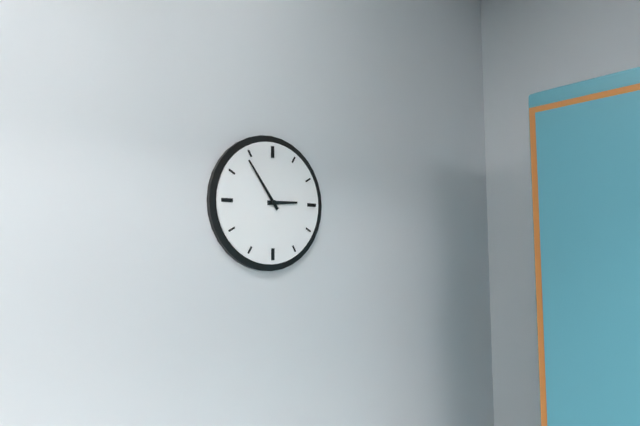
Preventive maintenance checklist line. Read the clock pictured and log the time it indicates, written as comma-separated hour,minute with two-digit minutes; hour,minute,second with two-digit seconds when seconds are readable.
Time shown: 2,54
